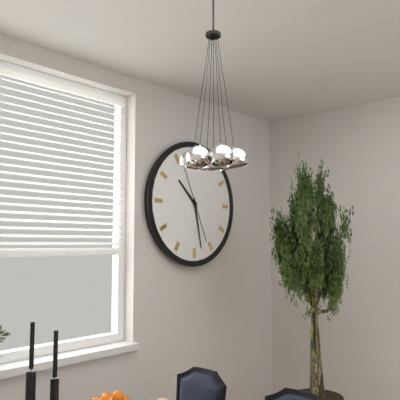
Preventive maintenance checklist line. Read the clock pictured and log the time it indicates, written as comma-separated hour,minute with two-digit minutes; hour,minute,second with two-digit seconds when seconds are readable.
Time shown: 10,28,56
